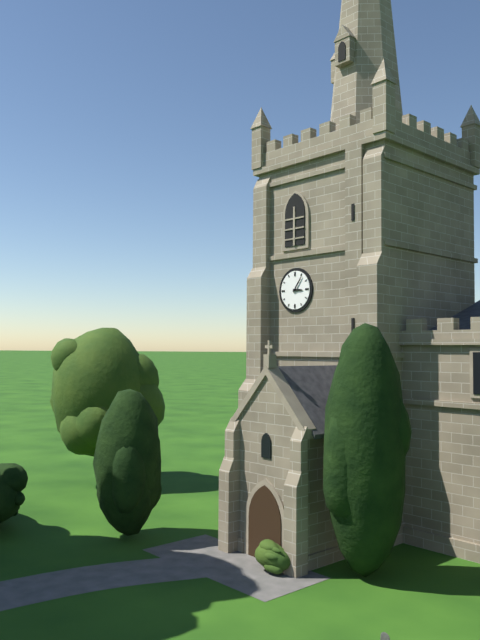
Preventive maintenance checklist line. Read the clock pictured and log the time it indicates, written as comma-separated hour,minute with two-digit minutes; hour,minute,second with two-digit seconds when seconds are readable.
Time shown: 3,06
